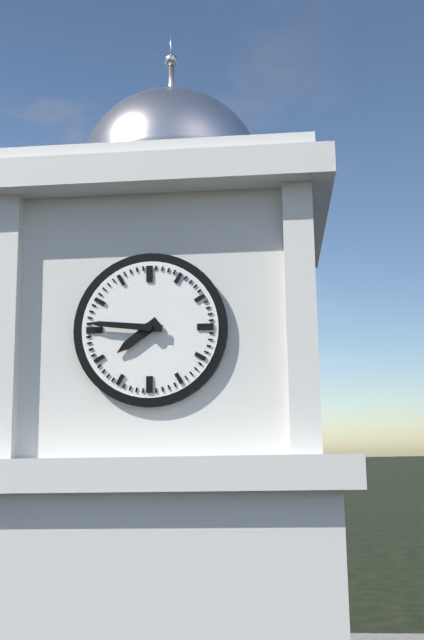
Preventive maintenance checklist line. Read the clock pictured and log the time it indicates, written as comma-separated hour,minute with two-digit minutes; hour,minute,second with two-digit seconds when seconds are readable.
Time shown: 7,46
